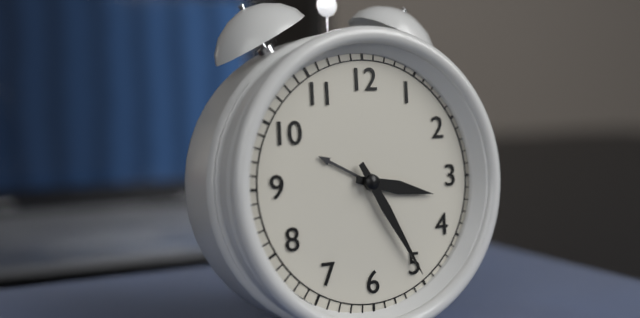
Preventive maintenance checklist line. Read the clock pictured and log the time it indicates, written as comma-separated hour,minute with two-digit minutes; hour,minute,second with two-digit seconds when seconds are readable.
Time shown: 3,25
